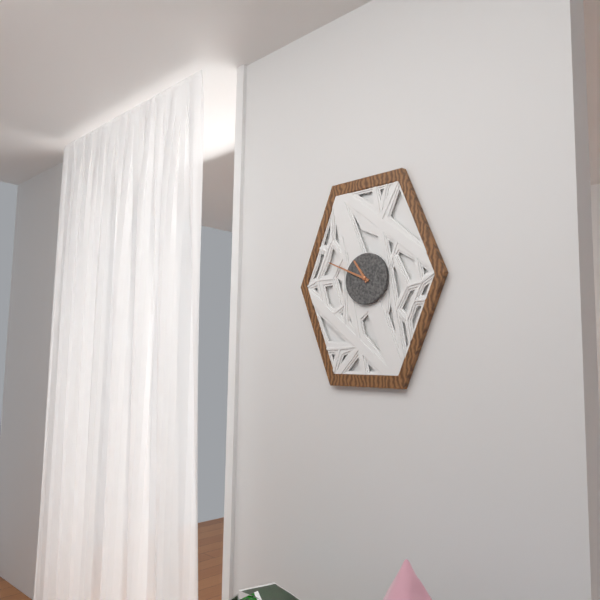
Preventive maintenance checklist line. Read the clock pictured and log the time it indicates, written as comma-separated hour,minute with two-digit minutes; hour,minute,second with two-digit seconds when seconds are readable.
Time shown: 10,49
